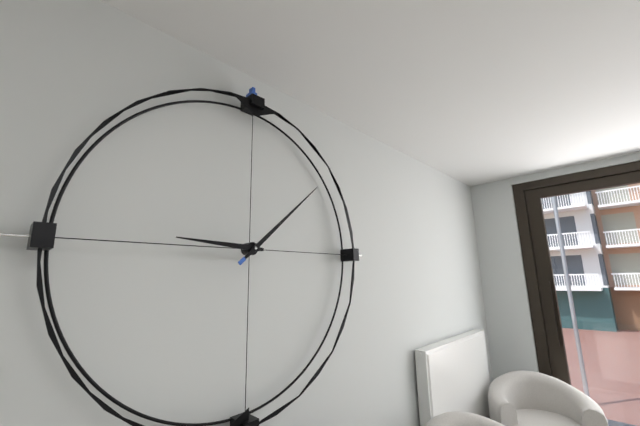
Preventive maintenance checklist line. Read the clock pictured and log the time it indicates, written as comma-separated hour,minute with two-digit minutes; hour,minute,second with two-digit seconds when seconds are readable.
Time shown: 9,08
